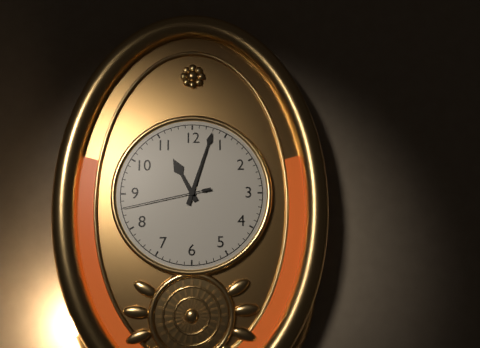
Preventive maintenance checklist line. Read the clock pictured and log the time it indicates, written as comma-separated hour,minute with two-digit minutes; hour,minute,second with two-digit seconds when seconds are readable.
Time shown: 11,03,43
